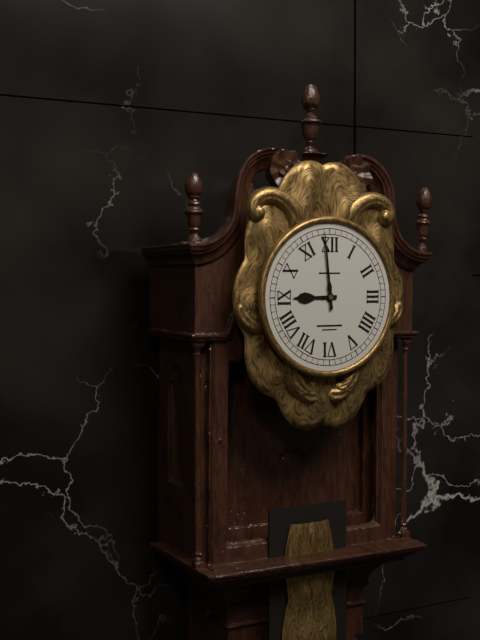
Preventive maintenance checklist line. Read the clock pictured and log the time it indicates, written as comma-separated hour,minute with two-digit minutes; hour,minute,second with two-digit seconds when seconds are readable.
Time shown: 8,59
